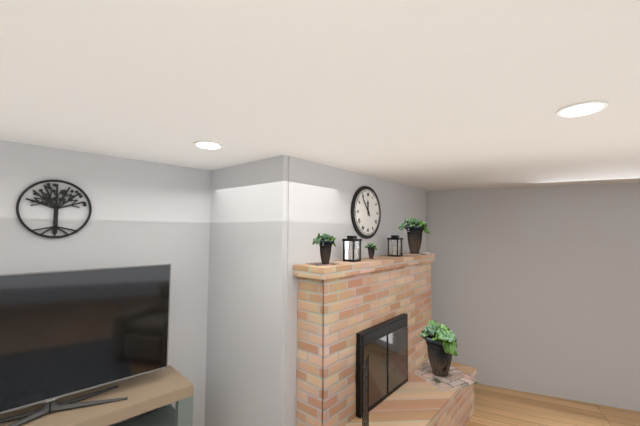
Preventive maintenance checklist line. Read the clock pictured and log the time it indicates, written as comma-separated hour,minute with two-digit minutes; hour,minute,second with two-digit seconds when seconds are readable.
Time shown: 11,54
